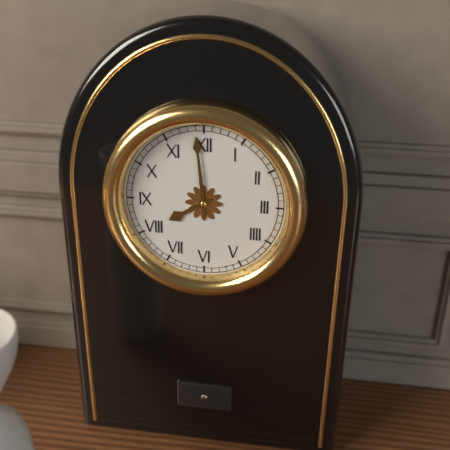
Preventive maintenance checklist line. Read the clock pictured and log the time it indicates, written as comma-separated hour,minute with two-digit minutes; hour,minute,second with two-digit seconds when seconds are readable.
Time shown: 7,59
